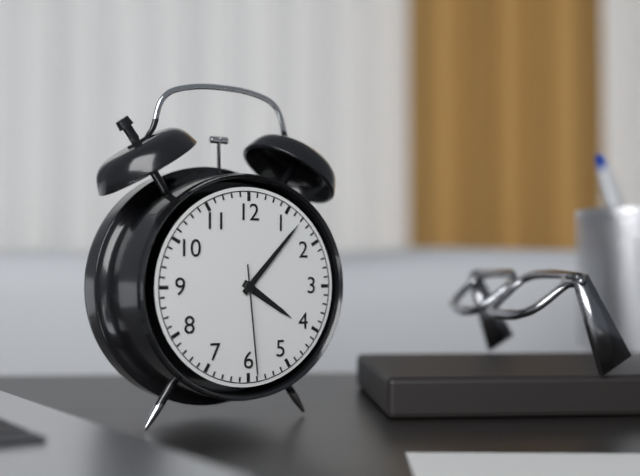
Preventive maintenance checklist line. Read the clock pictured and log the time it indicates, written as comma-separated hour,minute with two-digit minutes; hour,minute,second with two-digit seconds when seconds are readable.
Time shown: 4,07,29
